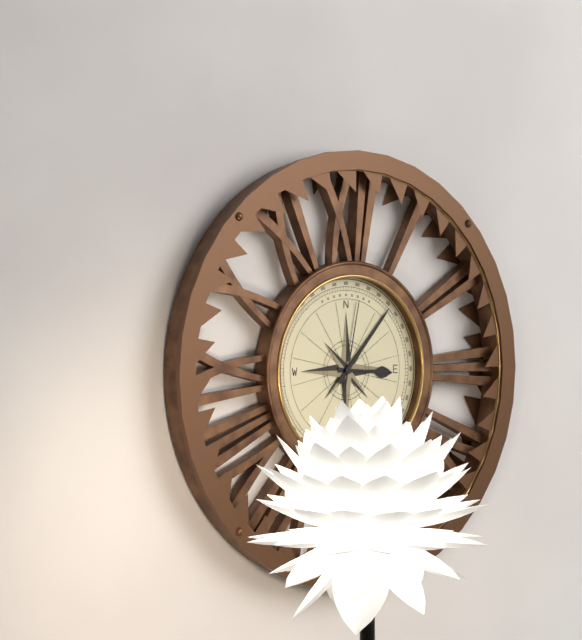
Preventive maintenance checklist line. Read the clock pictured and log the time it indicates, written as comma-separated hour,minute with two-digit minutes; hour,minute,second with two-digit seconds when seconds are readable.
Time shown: 3,07,02
